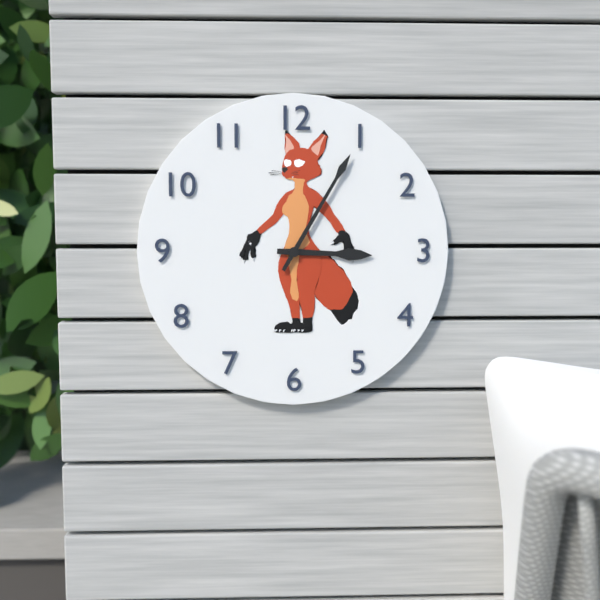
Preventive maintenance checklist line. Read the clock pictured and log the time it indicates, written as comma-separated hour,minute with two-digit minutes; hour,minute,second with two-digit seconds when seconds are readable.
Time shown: 3,05
